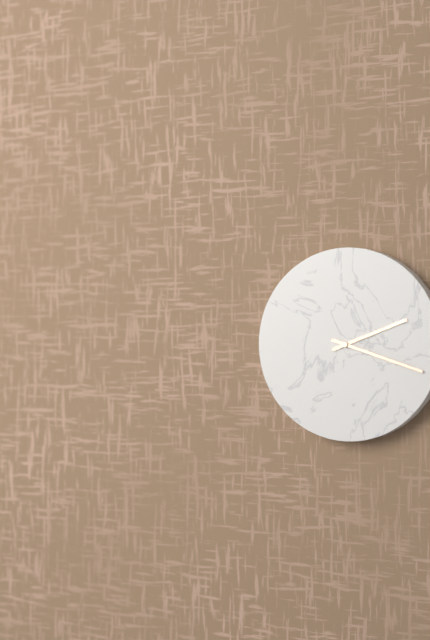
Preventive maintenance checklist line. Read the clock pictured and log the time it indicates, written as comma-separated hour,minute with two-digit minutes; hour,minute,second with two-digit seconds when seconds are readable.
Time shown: 2,18
